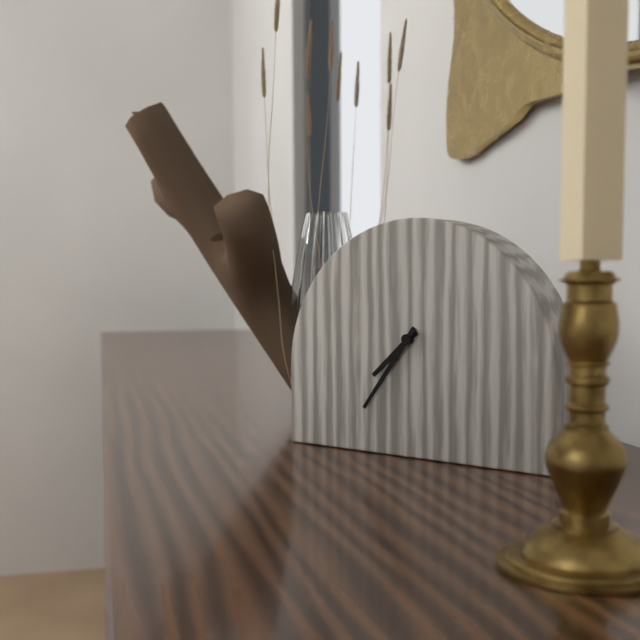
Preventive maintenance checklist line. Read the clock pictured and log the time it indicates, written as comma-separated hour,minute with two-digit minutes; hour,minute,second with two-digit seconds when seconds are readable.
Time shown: 7,36
